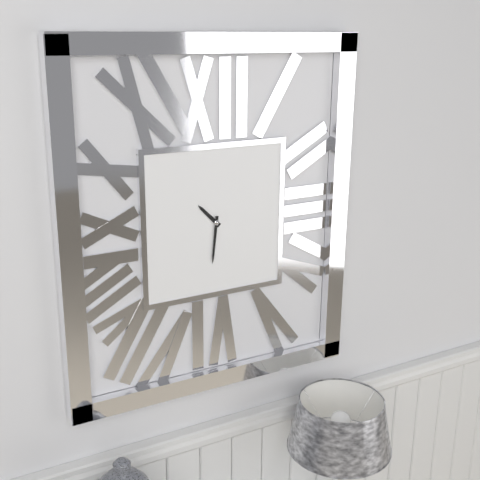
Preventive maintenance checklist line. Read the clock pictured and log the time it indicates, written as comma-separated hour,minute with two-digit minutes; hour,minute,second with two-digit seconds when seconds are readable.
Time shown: 10,31
